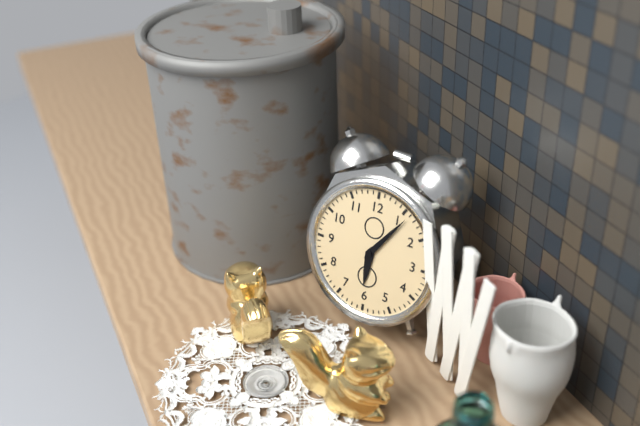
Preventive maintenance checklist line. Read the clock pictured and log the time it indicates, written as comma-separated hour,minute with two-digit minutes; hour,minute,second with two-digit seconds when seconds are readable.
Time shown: 6,06
